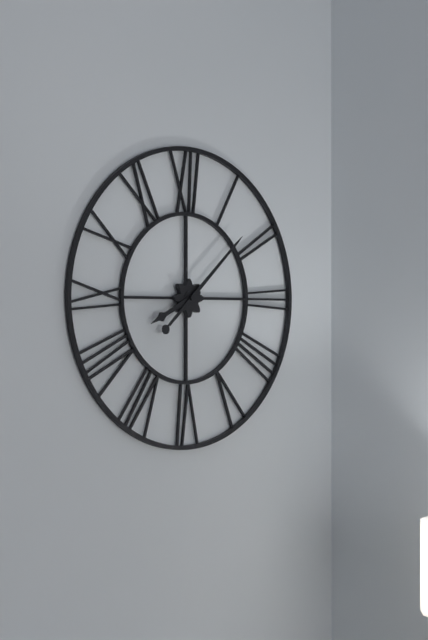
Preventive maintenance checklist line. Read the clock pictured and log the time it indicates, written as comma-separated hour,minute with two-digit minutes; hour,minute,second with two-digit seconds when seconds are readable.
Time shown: 8,08
